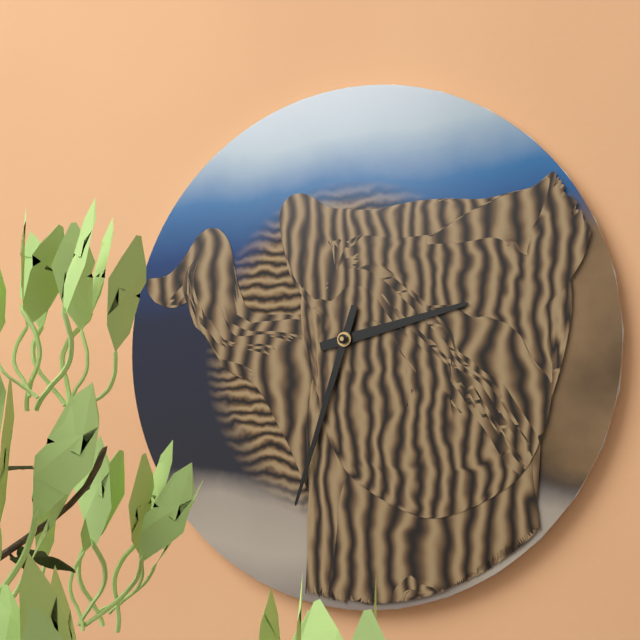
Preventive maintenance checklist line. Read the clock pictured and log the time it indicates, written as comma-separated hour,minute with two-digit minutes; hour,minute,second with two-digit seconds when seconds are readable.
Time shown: 2,33
